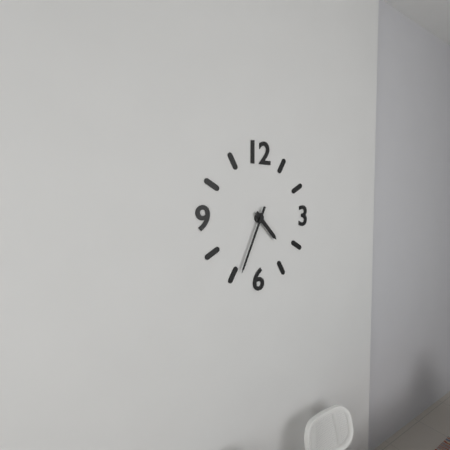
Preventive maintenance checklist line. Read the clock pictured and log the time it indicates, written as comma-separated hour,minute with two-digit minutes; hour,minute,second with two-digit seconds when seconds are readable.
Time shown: 4,34
